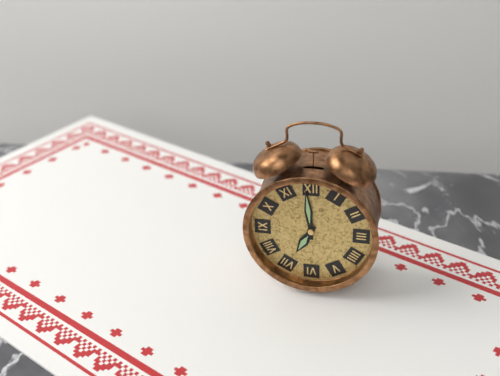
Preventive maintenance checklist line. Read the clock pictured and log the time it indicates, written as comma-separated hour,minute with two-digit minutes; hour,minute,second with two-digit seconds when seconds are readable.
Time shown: 6,59
